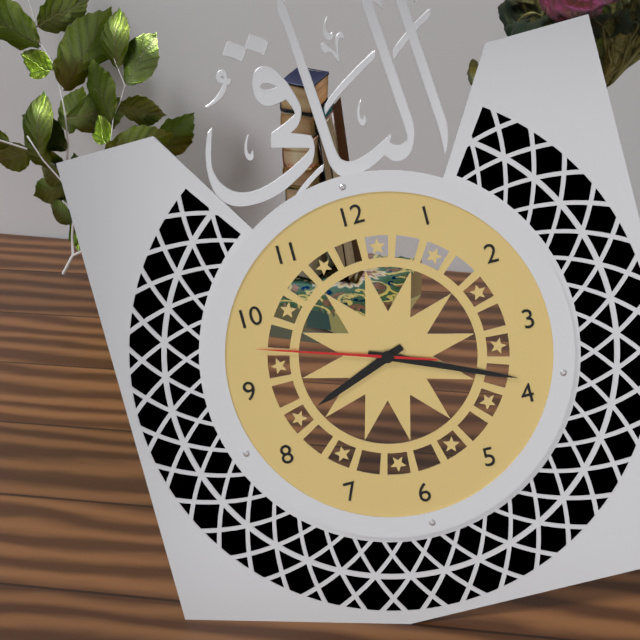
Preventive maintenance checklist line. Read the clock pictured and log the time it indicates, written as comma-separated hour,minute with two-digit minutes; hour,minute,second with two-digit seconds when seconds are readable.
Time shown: 8,19,48
